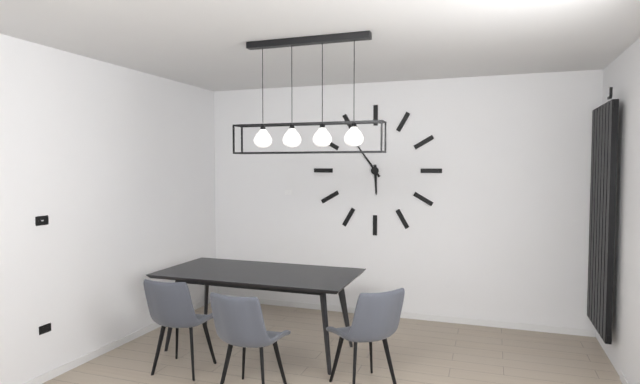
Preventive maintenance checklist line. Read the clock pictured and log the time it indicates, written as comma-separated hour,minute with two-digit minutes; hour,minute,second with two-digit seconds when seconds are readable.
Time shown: 5,54
